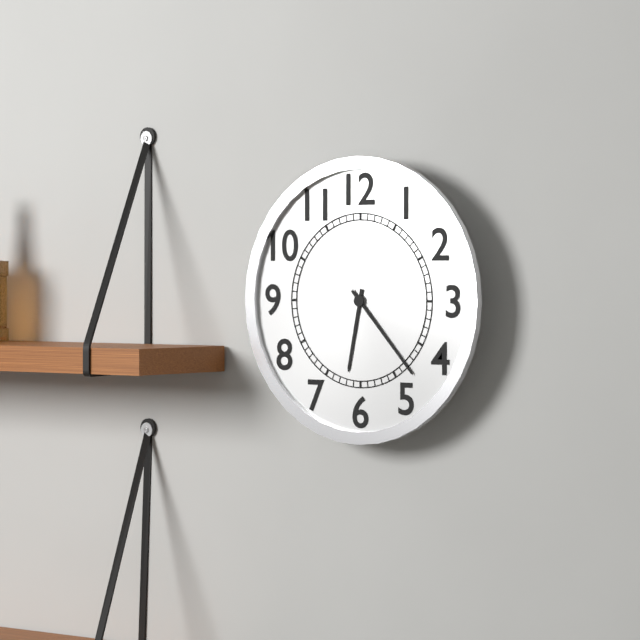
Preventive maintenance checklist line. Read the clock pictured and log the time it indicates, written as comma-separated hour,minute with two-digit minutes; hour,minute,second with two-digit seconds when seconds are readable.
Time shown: 6,23
